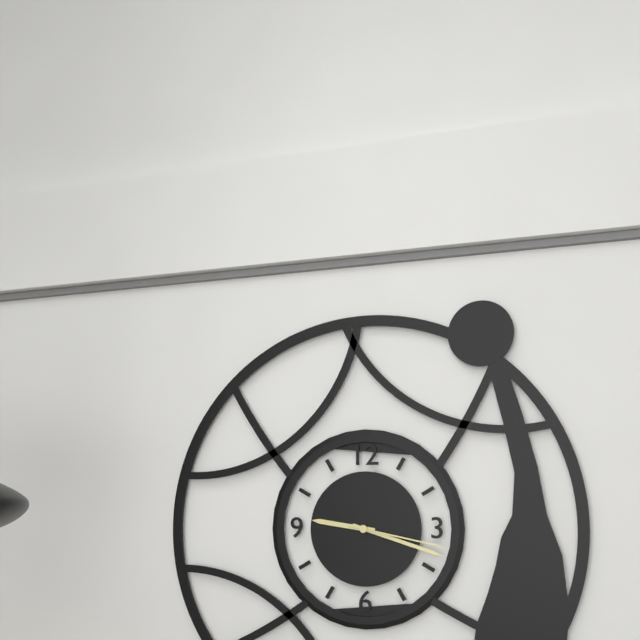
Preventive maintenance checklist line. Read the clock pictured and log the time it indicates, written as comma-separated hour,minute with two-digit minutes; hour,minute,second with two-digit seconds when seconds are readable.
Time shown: 9,18,17
